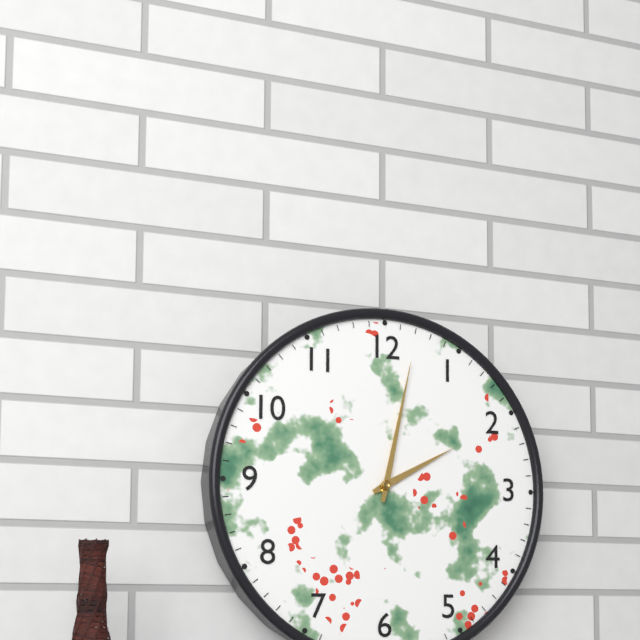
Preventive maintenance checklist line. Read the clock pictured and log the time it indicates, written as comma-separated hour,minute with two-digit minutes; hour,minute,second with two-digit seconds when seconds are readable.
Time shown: 2,02
